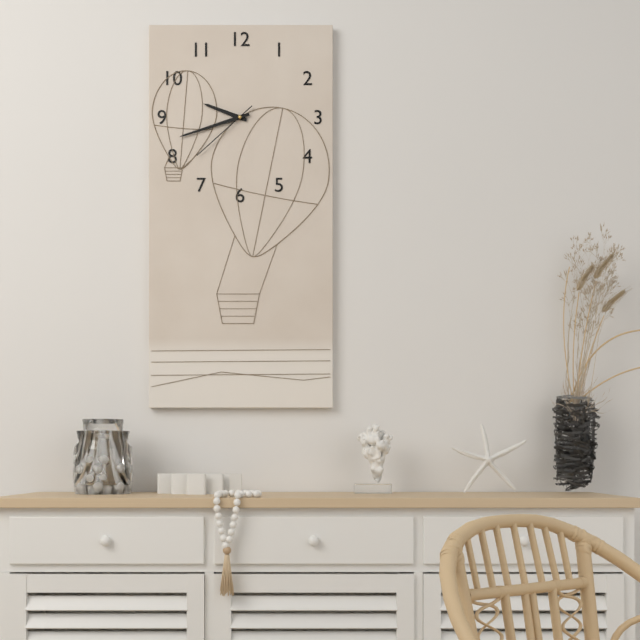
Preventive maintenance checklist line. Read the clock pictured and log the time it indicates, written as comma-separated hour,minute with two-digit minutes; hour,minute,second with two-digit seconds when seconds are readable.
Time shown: 9,42,38
